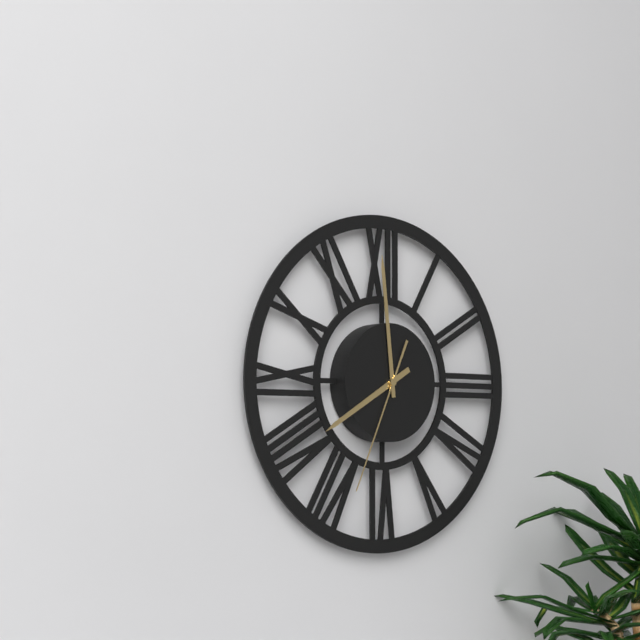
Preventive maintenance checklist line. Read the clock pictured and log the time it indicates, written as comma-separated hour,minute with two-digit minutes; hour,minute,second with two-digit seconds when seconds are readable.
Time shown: 7,59,34
